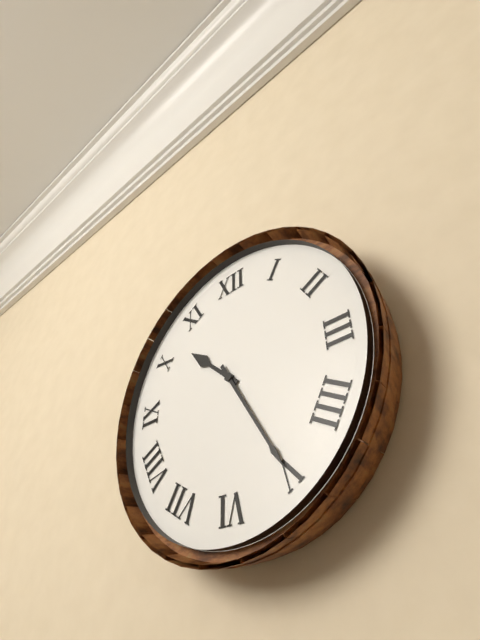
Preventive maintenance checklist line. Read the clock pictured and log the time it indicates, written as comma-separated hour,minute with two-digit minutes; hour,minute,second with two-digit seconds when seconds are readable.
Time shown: 10,25
